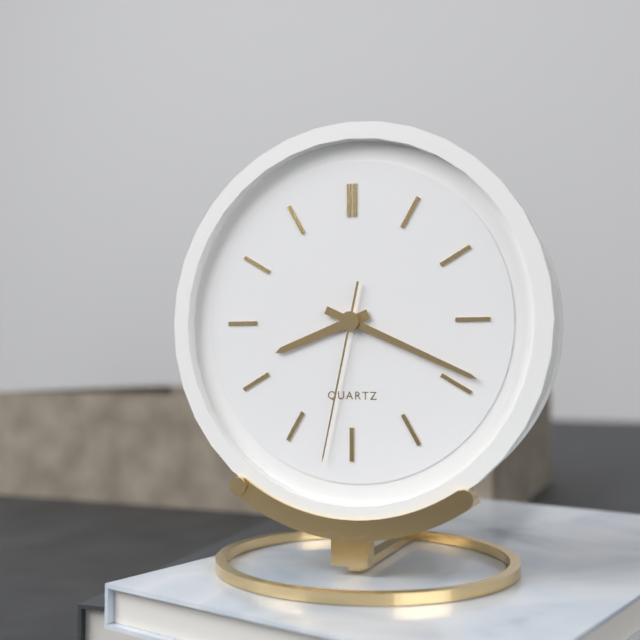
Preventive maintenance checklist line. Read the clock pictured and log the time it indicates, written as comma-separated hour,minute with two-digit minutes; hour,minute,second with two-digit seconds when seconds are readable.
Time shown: 8,19,32
